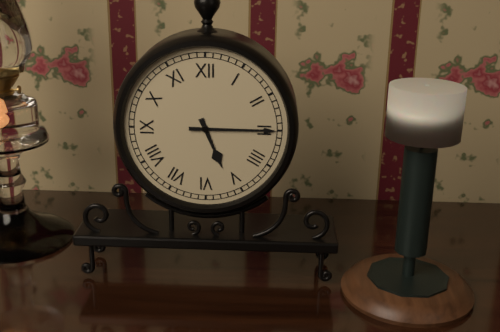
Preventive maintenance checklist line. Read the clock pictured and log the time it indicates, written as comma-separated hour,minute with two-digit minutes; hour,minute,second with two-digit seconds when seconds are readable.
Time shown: 5,15
